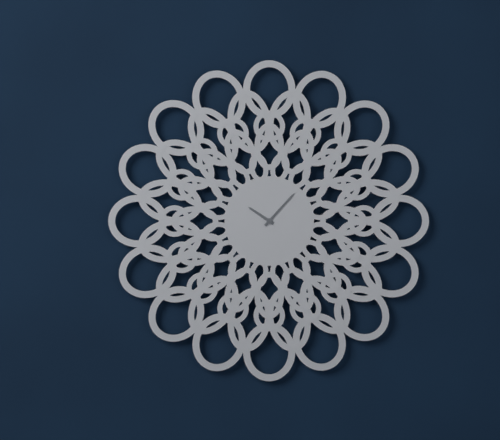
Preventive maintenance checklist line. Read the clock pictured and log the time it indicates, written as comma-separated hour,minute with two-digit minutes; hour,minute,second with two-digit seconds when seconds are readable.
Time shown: 10,07
